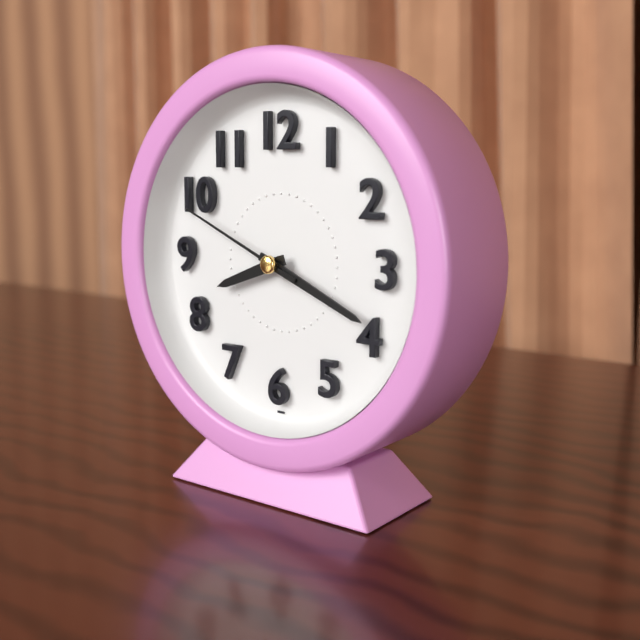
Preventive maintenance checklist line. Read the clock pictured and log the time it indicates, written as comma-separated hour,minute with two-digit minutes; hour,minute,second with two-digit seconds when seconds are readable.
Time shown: 8,19,49
